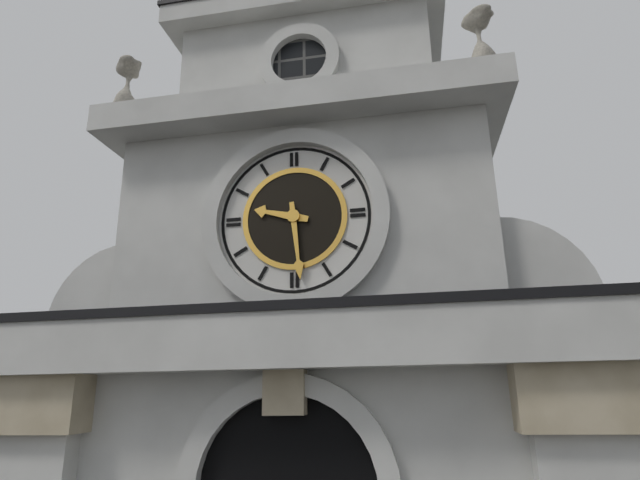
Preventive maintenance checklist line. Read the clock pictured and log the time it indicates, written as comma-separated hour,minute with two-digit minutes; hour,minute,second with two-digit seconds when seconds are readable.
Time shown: 9,29
